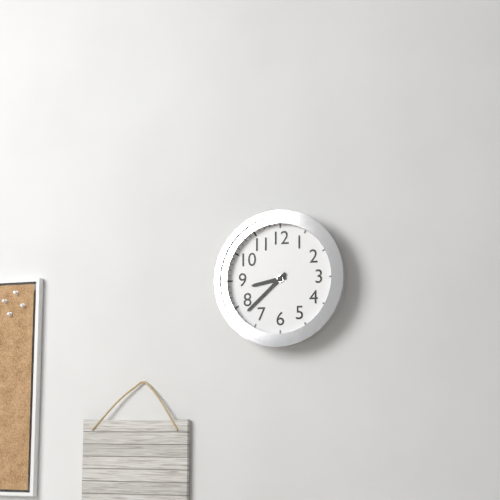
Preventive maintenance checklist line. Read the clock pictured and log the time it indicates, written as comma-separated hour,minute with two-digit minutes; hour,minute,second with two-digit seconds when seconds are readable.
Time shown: 8,38
